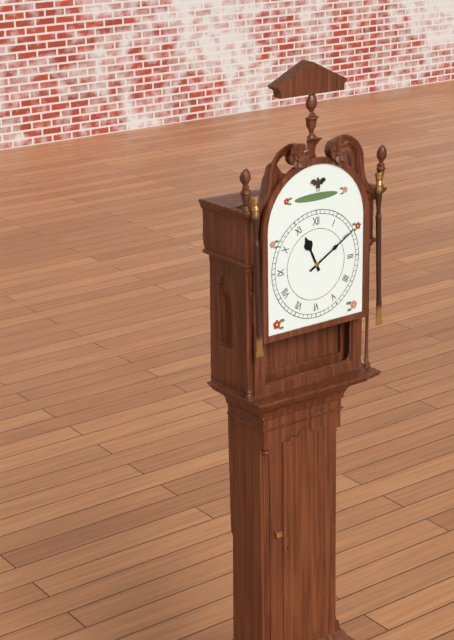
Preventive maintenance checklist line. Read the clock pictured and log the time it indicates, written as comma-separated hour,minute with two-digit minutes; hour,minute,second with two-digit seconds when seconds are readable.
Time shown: 11,10
